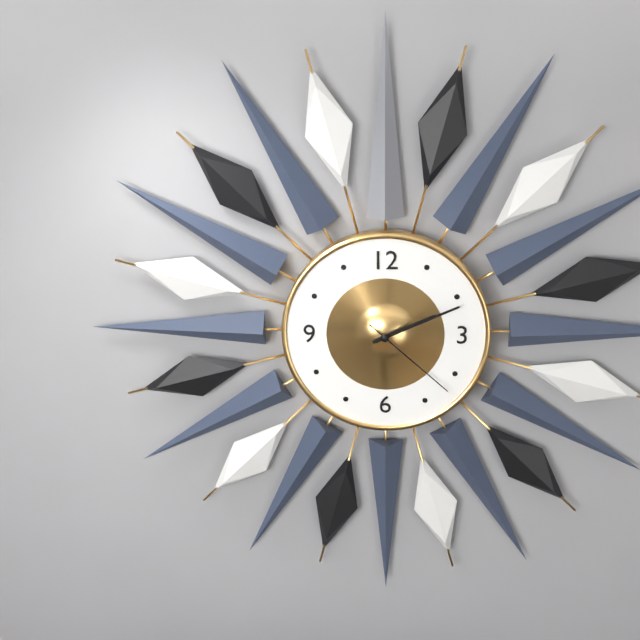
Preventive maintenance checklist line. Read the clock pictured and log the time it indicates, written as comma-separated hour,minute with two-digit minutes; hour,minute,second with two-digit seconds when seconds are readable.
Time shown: 2,11,22
